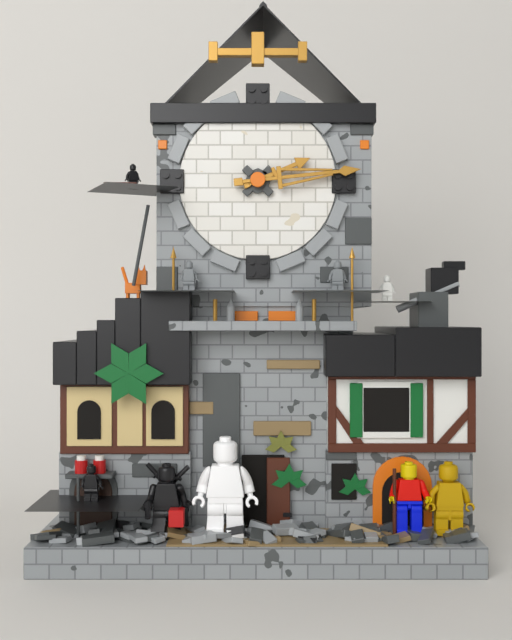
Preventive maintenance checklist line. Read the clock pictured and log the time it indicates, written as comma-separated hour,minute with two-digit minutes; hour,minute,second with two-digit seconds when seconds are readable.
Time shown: 2,14
